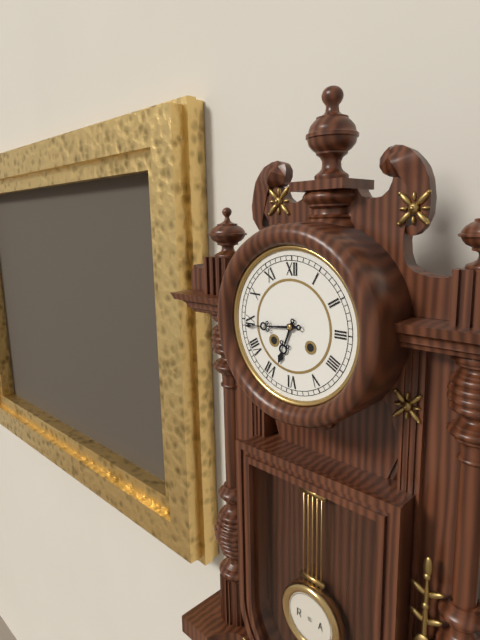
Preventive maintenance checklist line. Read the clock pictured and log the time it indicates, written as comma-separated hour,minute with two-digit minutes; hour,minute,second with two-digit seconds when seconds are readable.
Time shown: 6,44
